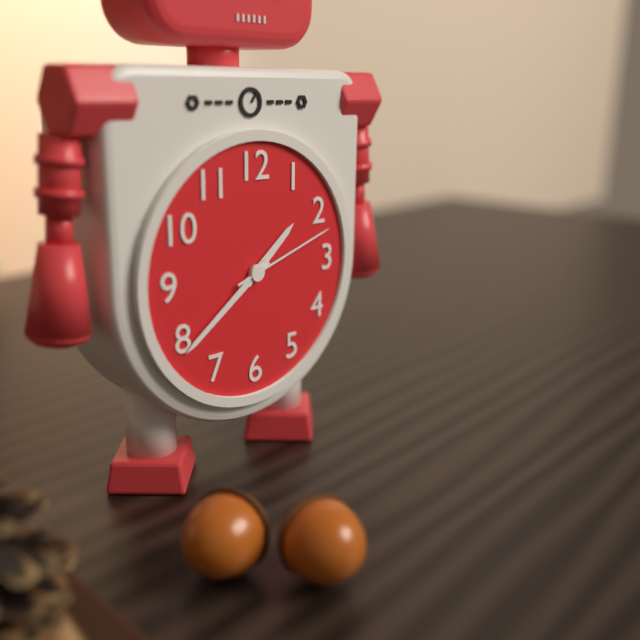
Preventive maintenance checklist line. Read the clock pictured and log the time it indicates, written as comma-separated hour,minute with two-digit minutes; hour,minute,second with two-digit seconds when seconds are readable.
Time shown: 1,39,12
